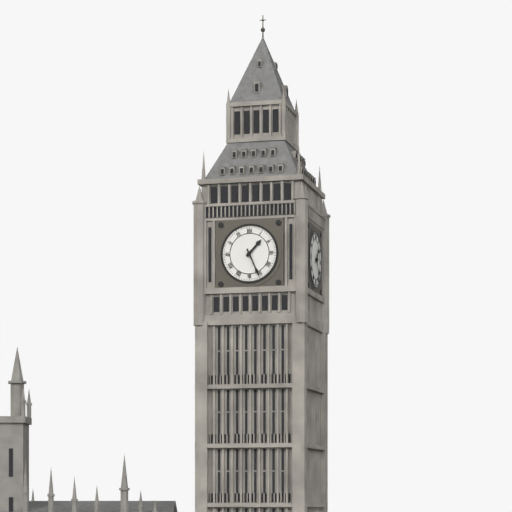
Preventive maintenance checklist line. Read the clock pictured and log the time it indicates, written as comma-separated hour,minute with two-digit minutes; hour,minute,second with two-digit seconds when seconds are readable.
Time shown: 1,26
